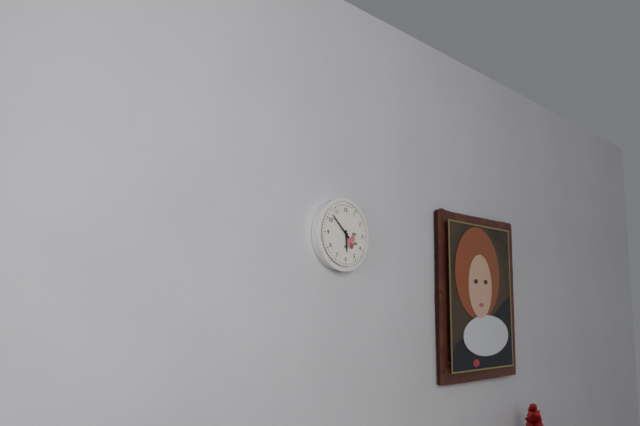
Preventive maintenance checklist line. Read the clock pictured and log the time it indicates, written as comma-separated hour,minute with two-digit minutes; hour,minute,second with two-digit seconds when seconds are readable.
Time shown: 5,52
